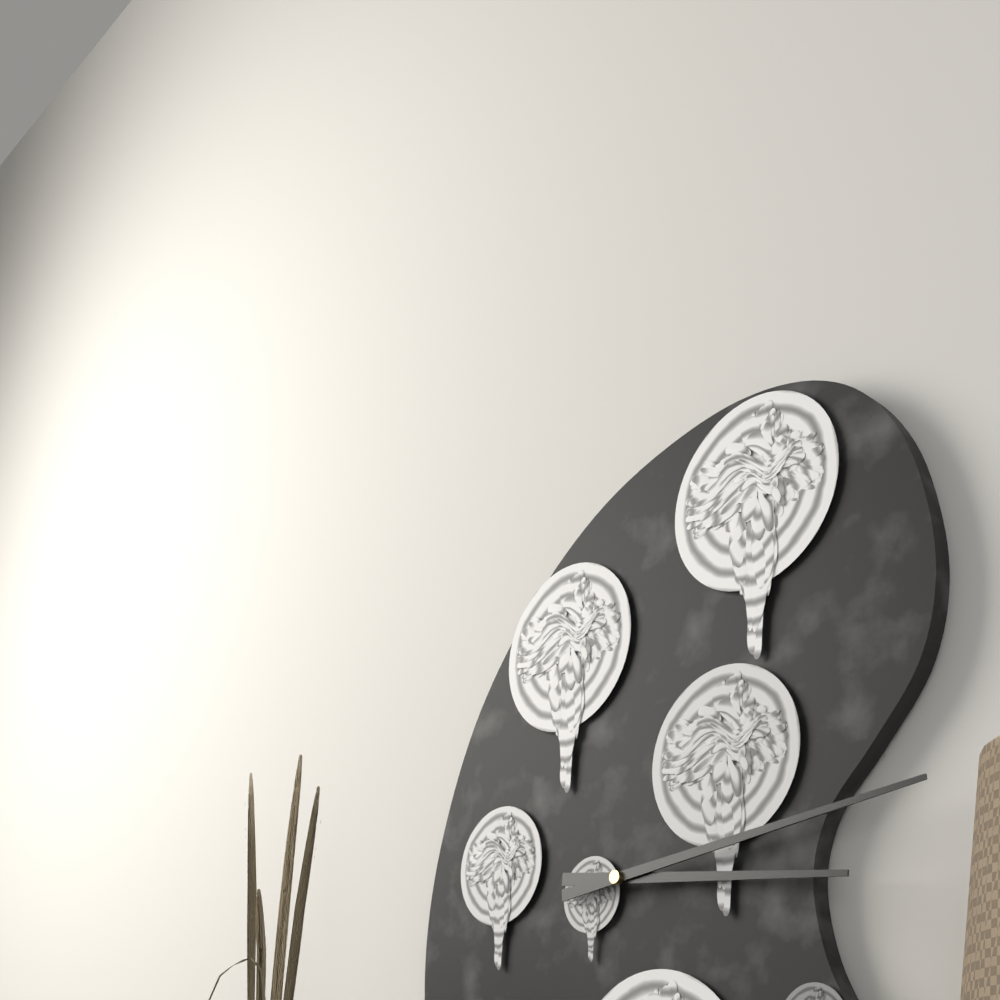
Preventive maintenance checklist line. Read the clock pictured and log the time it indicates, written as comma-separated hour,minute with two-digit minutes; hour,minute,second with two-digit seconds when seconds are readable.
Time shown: 3,14
